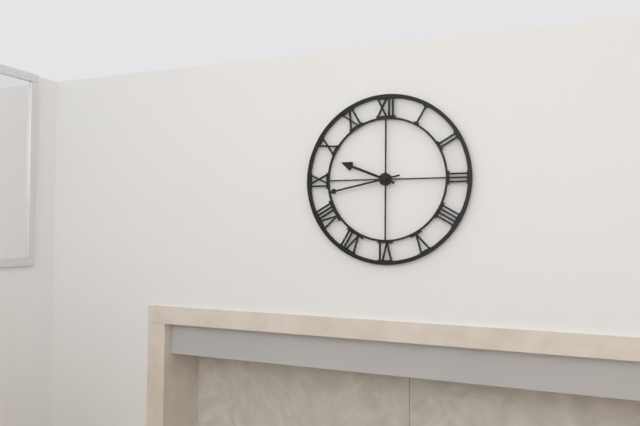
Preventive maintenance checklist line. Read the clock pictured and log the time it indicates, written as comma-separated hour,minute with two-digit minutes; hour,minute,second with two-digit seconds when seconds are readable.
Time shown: 9,43
